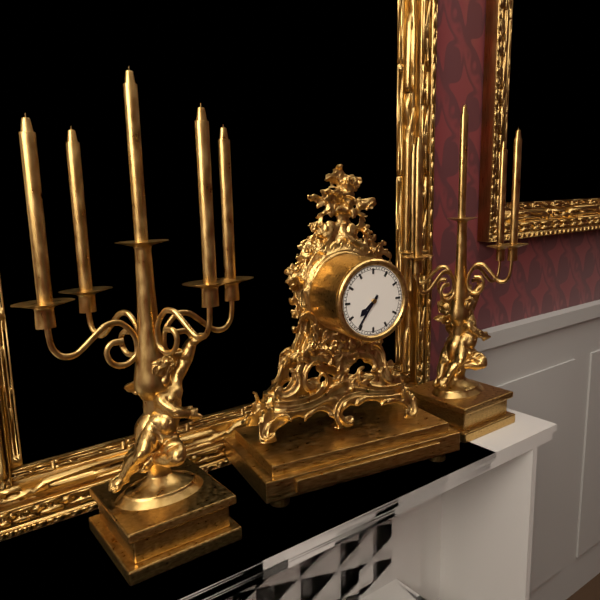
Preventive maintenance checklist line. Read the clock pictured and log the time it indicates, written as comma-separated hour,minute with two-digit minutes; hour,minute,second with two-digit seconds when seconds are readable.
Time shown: 7,36
